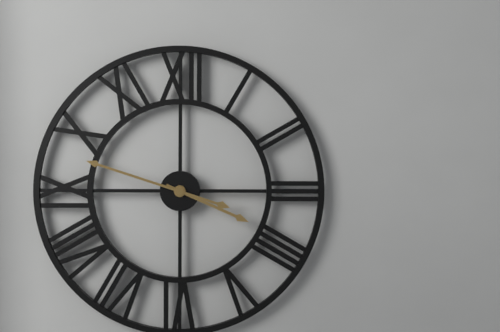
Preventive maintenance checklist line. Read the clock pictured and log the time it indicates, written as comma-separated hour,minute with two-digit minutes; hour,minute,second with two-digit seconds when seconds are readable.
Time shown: 3,48
